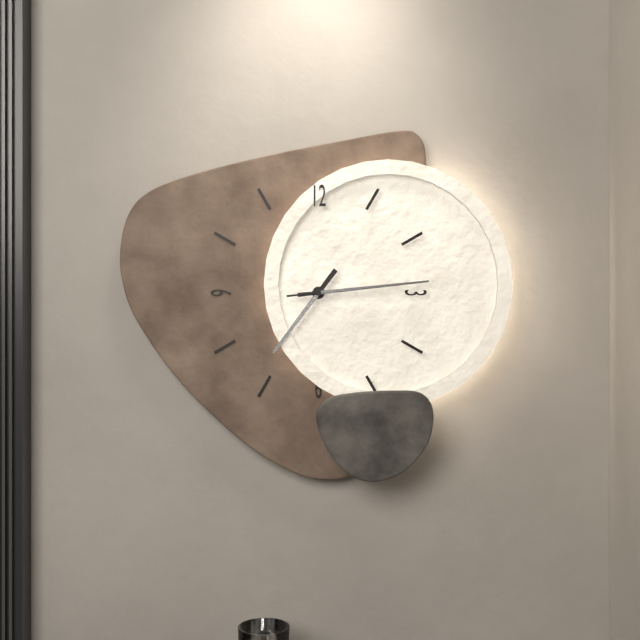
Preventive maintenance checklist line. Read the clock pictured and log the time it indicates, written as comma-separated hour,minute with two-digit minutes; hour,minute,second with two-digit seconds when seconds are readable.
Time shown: 7,14,14
